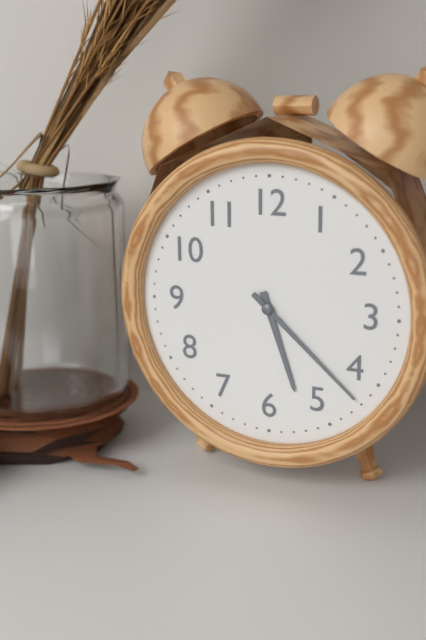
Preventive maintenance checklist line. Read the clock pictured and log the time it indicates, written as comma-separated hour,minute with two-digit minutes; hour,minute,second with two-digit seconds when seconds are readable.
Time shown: 5,22
